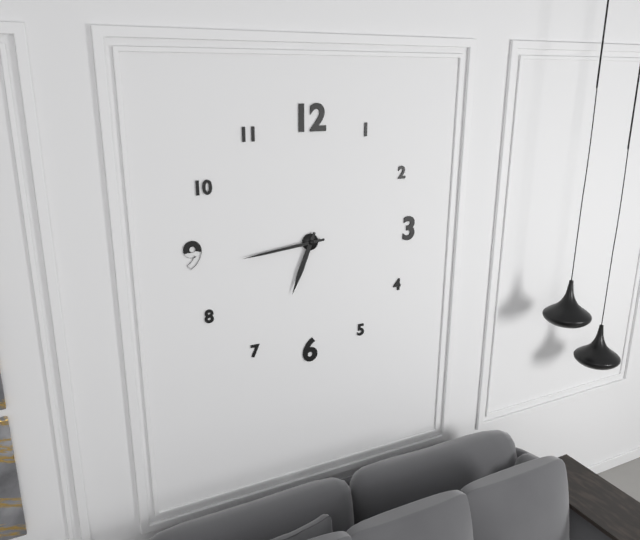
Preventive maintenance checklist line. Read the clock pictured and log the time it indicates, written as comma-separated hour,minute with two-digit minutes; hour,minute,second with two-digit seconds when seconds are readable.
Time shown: 6,44
